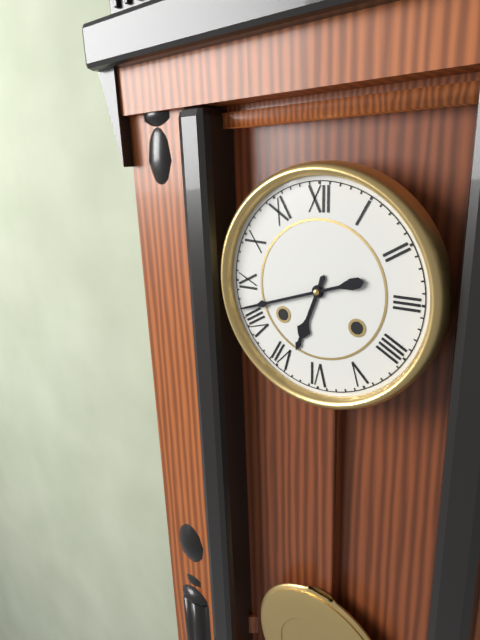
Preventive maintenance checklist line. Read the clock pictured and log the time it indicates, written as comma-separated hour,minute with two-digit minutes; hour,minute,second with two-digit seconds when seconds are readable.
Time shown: 6,42
